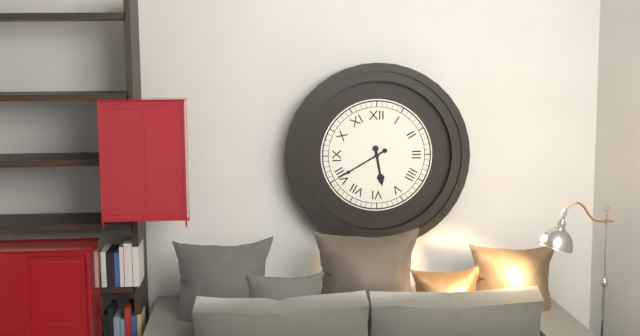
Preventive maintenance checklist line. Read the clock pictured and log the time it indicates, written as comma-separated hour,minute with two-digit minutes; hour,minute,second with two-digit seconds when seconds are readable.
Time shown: 5,40
